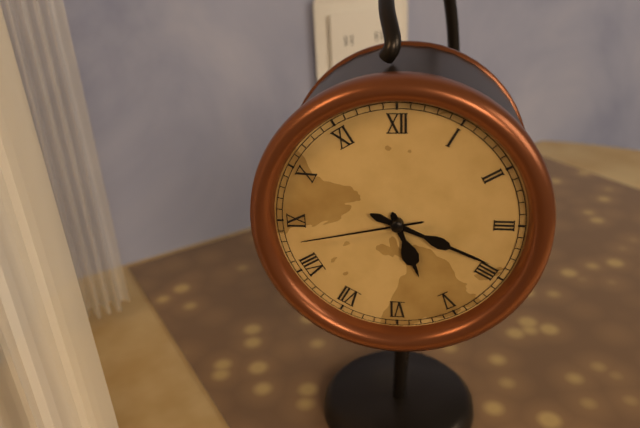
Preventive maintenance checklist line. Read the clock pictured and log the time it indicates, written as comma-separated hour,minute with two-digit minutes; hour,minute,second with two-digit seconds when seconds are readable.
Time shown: 5,19,43
